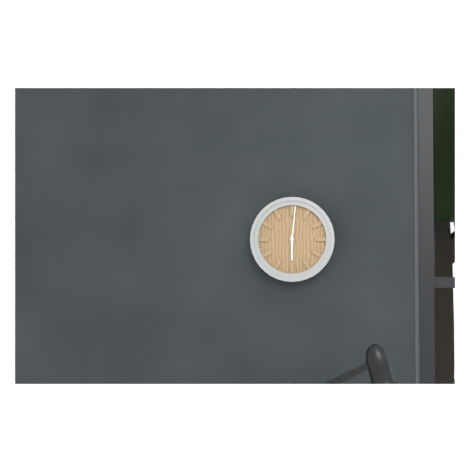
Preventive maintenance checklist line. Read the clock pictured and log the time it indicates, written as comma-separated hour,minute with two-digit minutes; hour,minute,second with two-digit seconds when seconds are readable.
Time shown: 6,01
